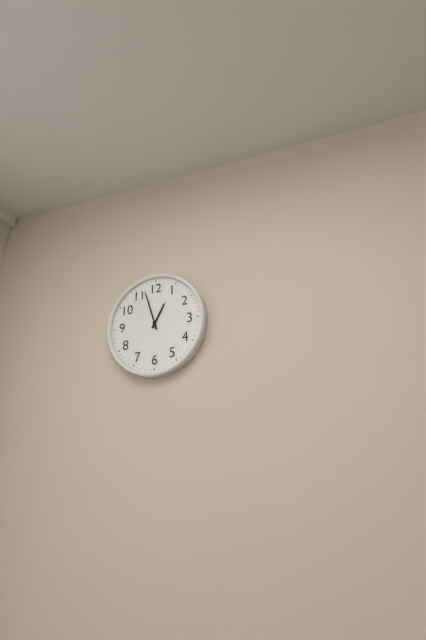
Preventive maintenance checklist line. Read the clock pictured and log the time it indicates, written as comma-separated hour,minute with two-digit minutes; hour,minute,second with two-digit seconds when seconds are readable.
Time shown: 12,57
